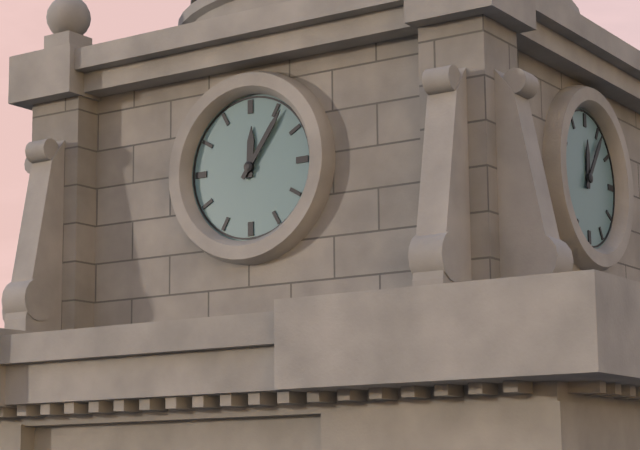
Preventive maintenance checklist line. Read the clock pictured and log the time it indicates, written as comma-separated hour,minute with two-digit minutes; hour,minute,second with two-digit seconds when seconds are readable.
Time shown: 12,06
